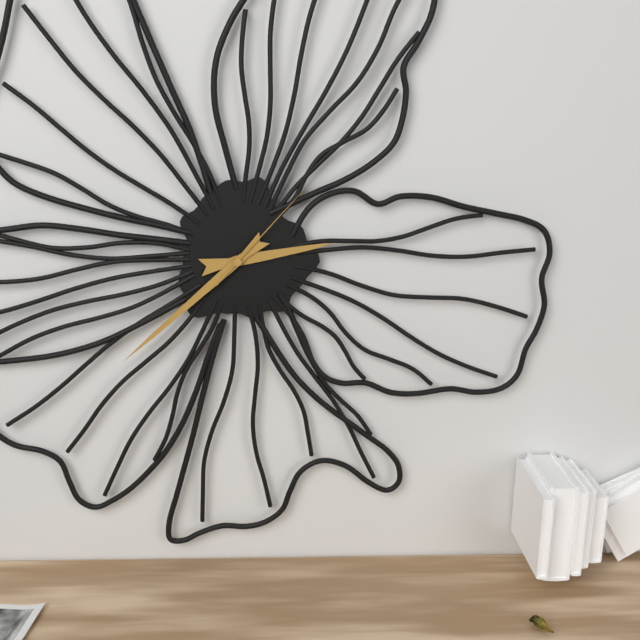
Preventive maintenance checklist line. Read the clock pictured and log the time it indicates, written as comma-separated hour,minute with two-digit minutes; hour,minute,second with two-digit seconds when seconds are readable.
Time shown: 2,38,07
